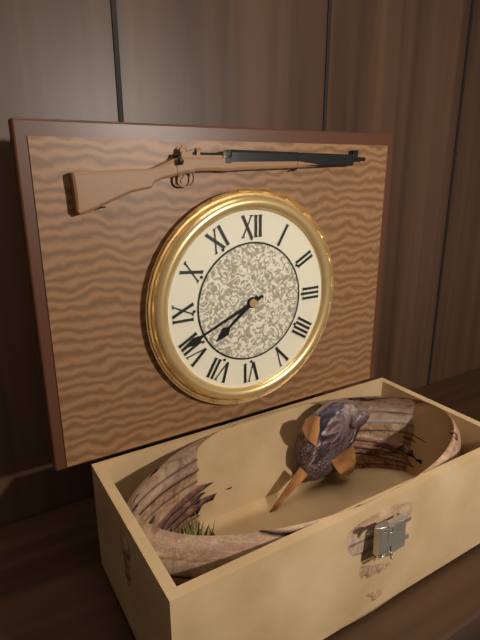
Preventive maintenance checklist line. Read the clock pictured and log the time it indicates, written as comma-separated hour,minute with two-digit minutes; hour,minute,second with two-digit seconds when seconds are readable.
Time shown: 7,41
